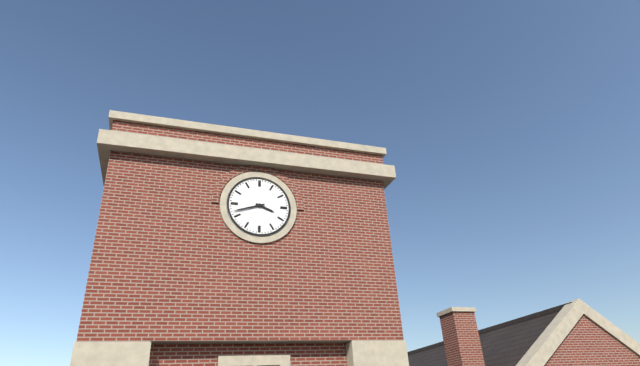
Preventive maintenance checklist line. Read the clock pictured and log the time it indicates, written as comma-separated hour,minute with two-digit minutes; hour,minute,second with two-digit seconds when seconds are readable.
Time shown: 3,42
